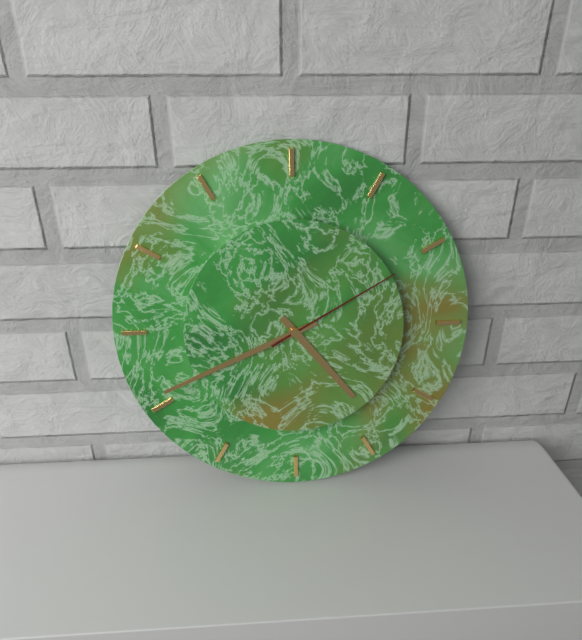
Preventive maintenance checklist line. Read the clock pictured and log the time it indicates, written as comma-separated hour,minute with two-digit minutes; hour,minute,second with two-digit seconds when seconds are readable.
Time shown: 4,41,10
